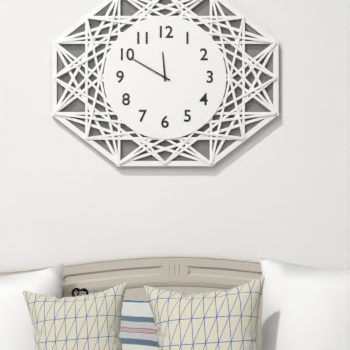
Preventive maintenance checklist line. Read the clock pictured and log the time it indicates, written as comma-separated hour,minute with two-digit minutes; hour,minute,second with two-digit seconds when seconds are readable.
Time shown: 11,50
